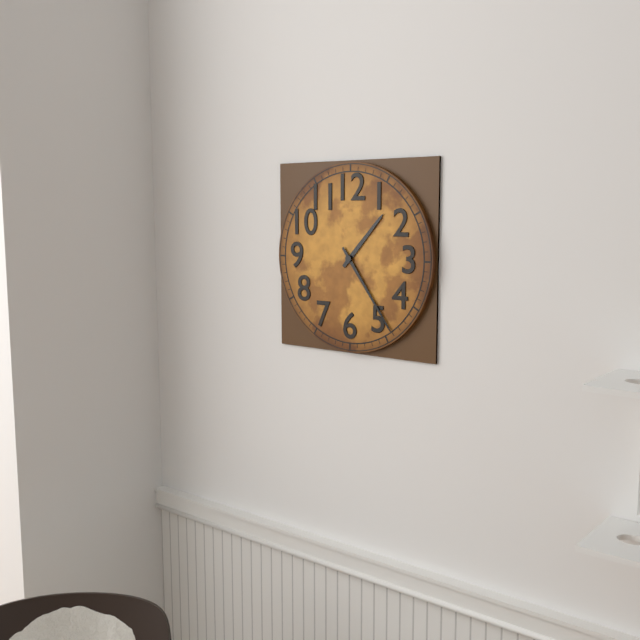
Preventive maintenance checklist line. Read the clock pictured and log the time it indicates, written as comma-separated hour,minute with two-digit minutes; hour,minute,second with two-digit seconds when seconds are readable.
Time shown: 1,24
